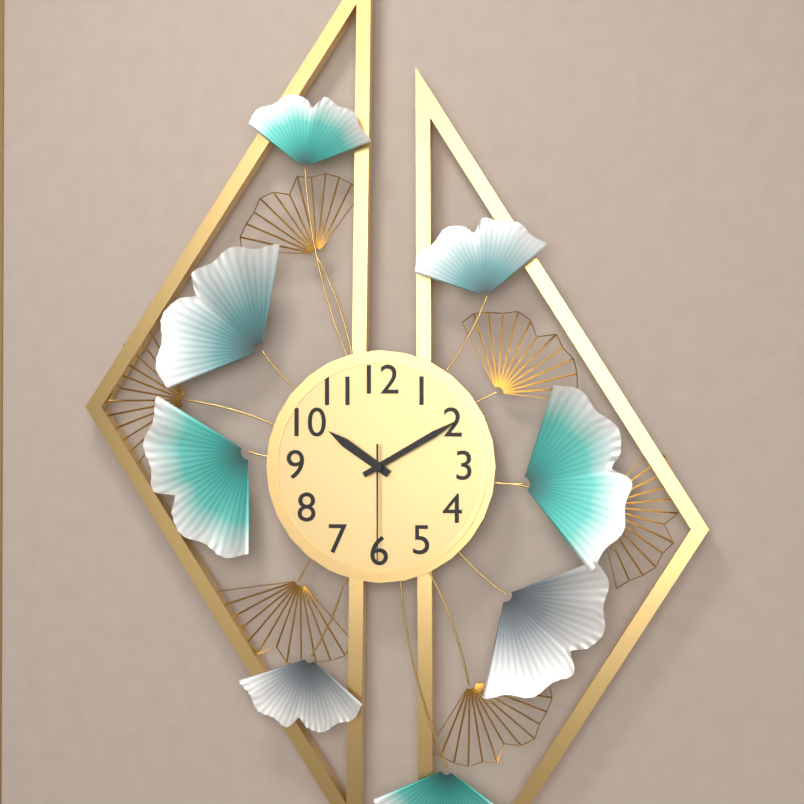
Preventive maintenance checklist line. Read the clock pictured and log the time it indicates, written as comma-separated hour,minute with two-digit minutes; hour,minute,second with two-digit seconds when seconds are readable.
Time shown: 10,10,30
